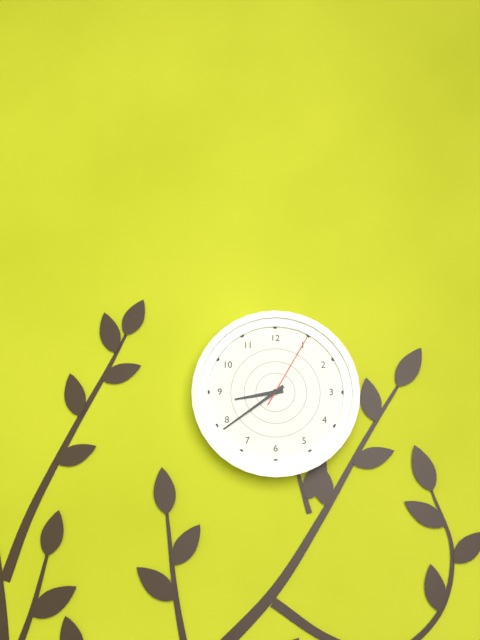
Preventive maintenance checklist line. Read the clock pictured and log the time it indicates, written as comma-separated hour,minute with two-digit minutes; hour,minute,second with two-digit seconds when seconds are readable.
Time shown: 8,39,05
